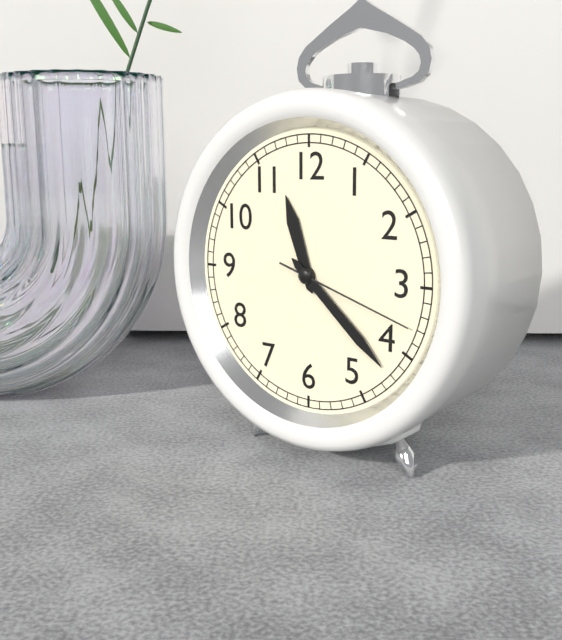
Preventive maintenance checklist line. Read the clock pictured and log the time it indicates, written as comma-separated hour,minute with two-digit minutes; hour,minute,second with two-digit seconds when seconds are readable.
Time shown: 11,22,18
